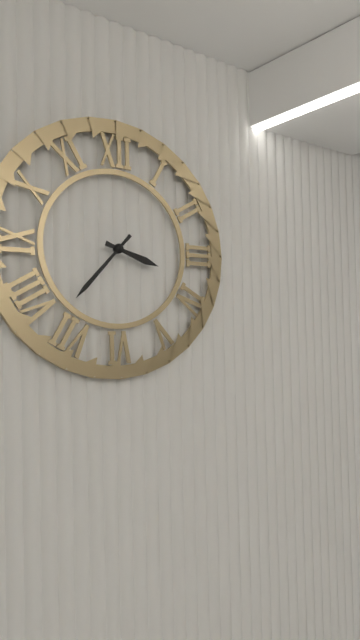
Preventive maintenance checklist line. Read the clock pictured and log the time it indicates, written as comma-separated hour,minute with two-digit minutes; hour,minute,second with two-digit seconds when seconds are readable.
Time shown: 3,37
